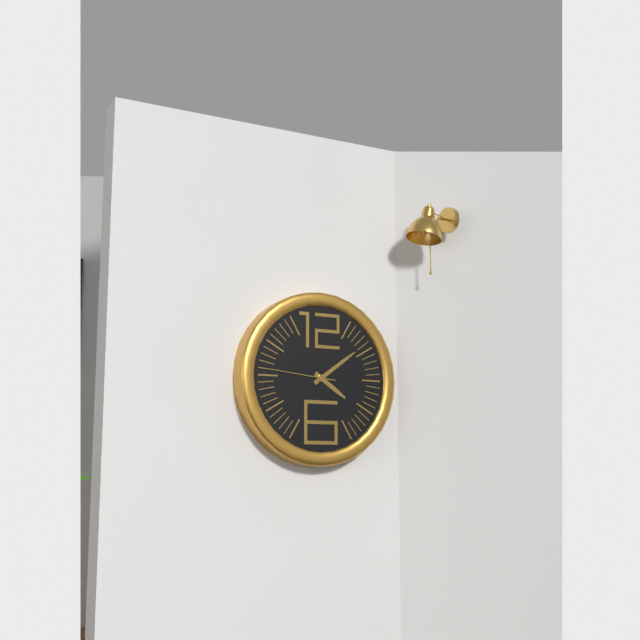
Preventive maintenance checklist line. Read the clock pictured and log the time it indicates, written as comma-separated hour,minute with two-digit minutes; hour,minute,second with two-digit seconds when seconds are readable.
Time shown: 4,09,46
